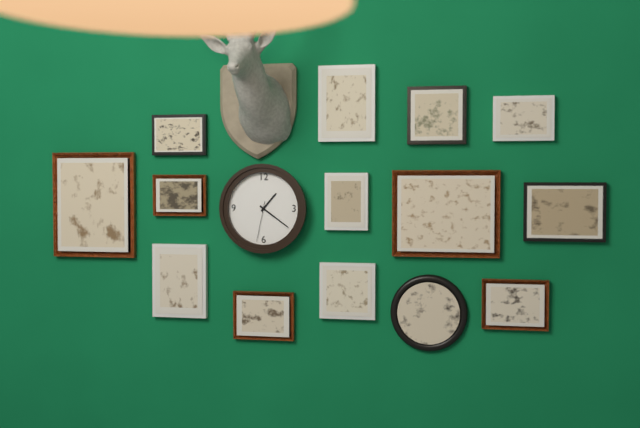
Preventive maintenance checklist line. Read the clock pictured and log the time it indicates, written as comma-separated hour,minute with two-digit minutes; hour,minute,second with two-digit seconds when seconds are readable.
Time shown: 1,21
